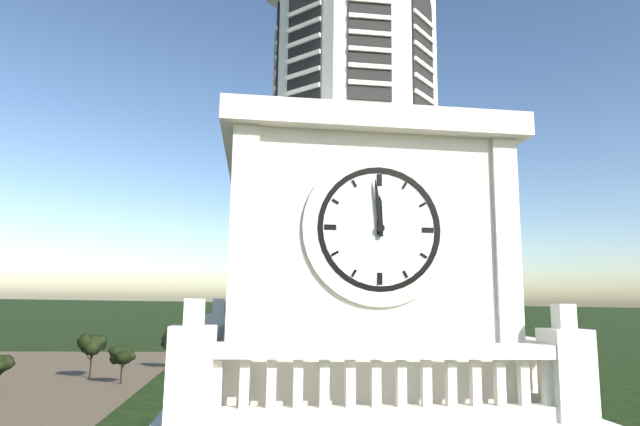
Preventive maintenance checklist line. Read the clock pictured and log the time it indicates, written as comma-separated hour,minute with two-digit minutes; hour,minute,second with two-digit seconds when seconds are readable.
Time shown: 11,59
